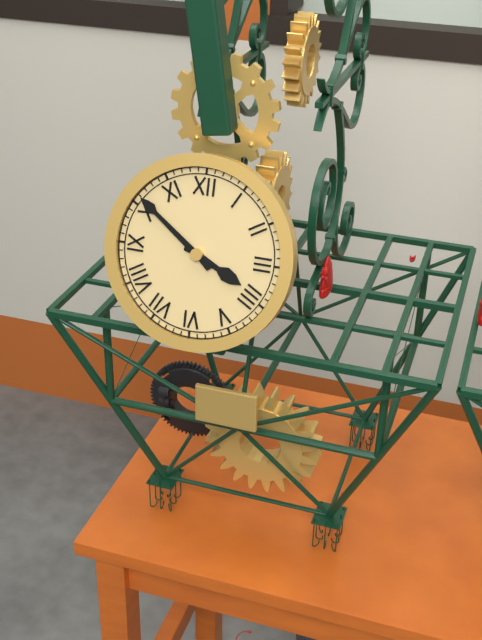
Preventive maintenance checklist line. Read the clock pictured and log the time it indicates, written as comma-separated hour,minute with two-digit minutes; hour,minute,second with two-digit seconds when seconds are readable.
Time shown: 3,51
